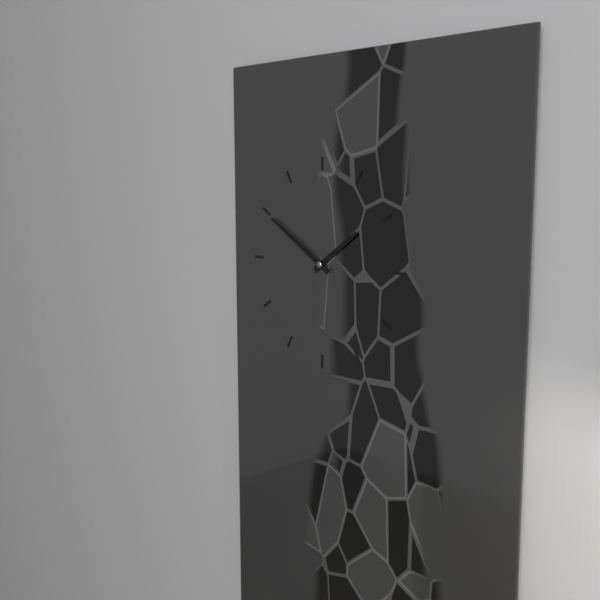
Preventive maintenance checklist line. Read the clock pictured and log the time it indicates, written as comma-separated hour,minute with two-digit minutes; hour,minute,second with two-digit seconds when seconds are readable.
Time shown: 1,50
